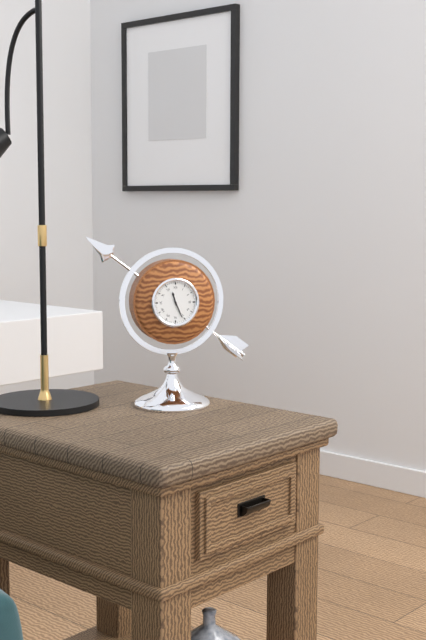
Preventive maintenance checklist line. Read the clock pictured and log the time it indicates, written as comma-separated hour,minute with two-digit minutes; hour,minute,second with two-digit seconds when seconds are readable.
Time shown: 11,26
